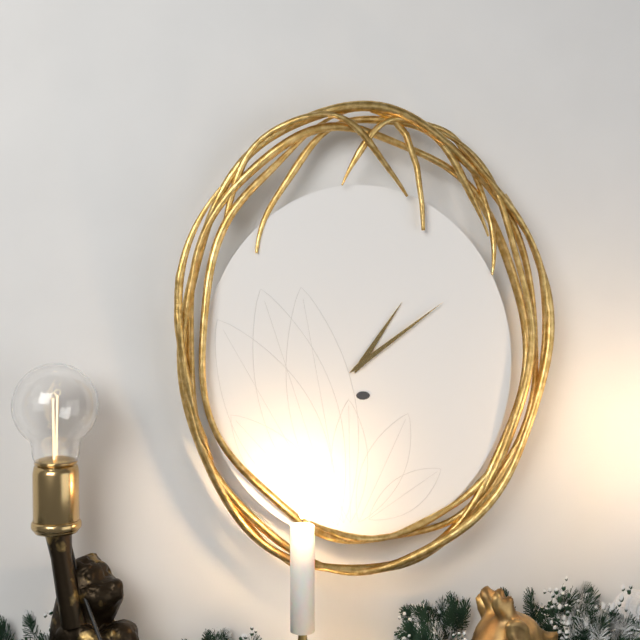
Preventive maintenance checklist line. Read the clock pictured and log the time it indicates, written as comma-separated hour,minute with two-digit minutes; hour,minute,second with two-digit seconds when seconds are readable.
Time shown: 1,09
